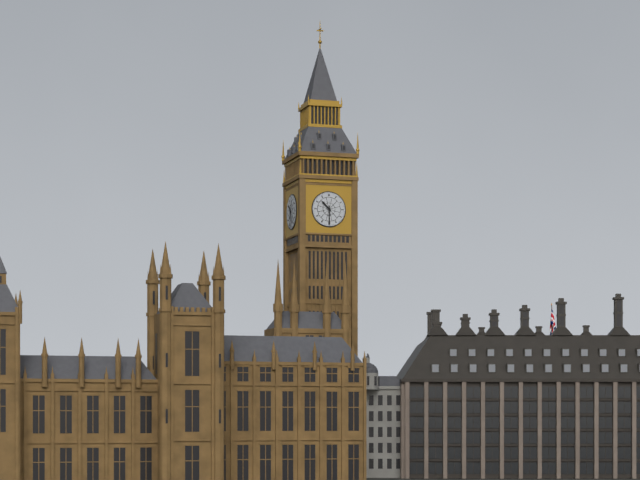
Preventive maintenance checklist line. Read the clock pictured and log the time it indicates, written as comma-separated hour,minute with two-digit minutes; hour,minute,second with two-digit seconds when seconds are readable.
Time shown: 10,30
